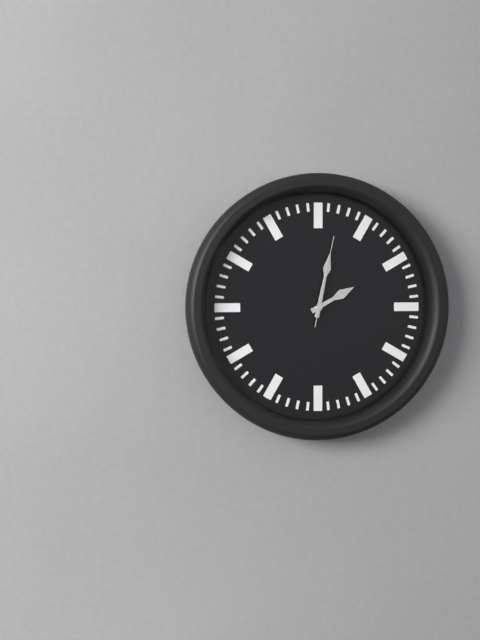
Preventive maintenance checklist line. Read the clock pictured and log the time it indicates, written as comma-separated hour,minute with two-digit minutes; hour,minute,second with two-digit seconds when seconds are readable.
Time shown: 2,02,02
